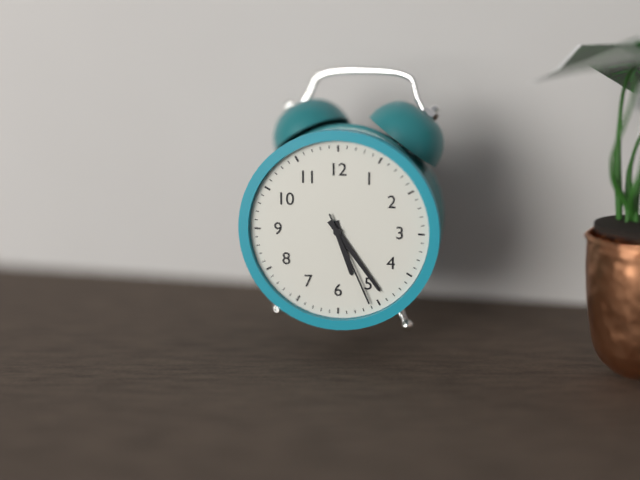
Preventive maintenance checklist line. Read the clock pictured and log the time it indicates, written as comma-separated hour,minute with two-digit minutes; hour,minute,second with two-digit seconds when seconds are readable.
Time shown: 5,24,26
